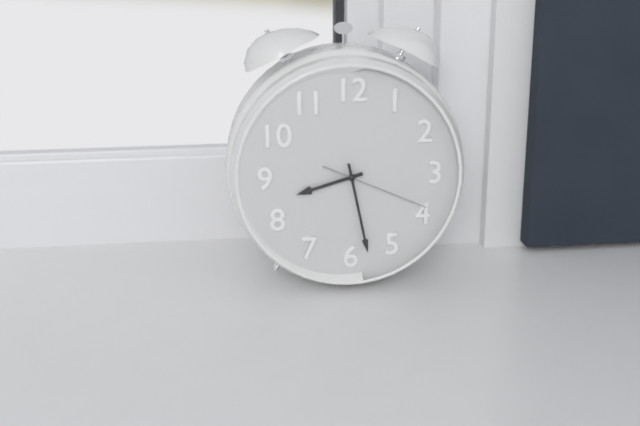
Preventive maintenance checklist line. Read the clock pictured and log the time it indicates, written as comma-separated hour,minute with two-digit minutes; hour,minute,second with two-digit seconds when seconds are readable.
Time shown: 8,28,19
